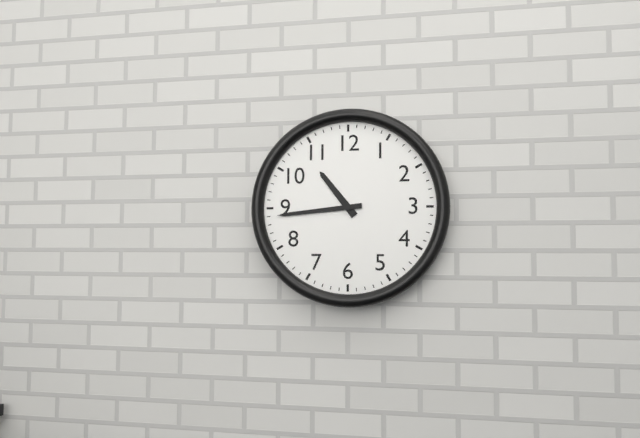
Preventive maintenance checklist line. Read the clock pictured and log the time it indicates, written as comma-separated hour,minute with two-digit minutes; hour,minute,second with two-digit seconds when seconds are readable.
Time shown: 10,44
